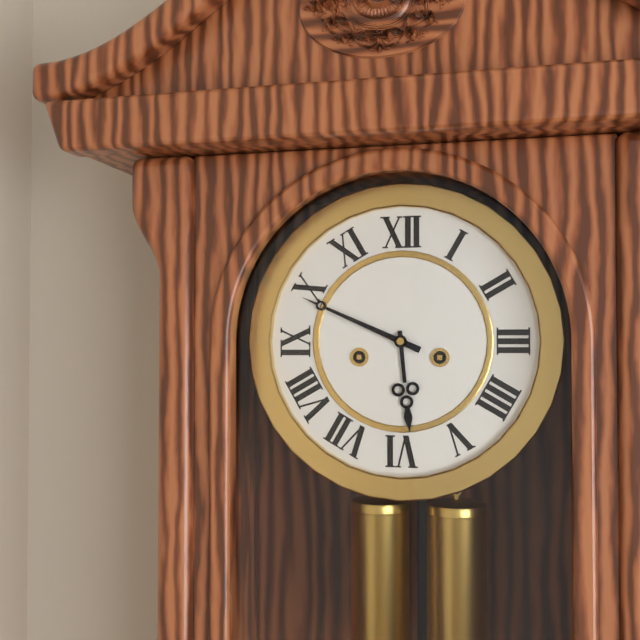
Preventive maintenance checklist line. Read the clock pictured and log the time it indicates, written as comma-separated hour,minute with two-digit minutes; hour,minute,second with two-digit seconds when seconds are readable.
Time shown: 5,49
